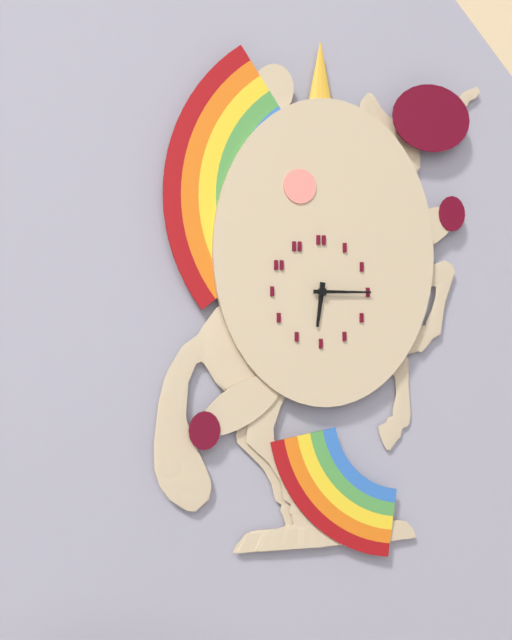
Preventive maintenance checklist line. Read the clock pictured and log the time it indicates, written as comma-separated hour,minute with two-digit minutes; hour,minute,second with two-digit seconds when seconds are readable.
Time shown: 6,15
